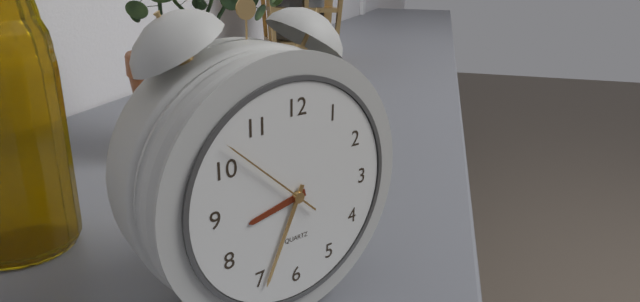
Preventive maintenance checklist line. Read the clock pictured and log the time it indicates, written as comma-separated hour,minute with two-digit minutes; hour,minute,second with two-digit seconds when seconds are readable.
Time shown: 8,34,52
